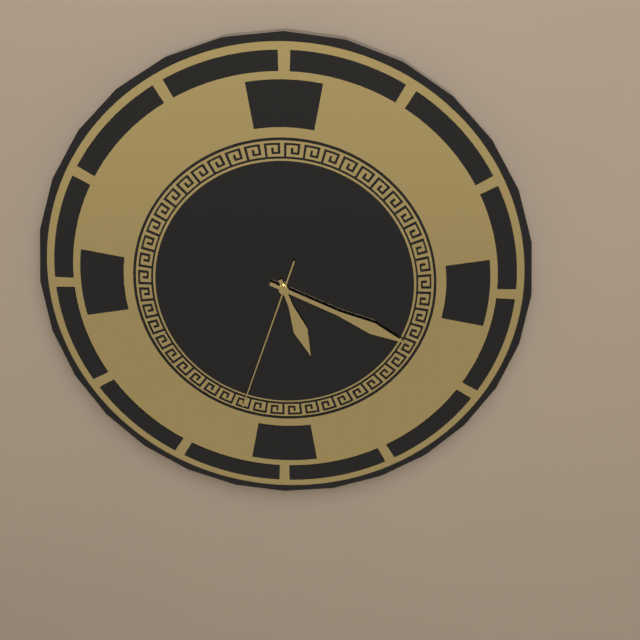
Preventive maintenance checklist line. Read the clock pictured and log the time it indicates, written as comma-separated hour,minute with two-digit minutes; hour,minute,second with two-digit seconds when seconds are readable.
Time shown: 5,19,33
